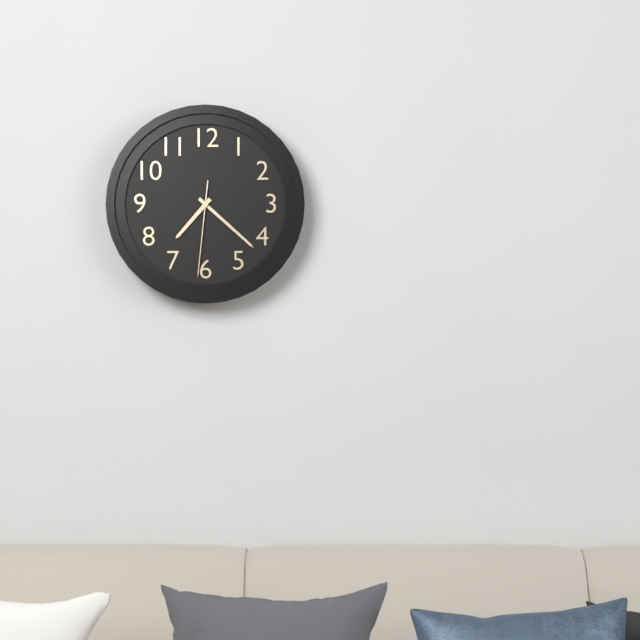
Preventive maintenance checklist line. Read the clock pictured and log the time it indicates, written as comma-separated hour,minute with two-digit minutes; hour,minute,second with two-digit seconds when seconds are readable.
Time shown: 7,22,31
